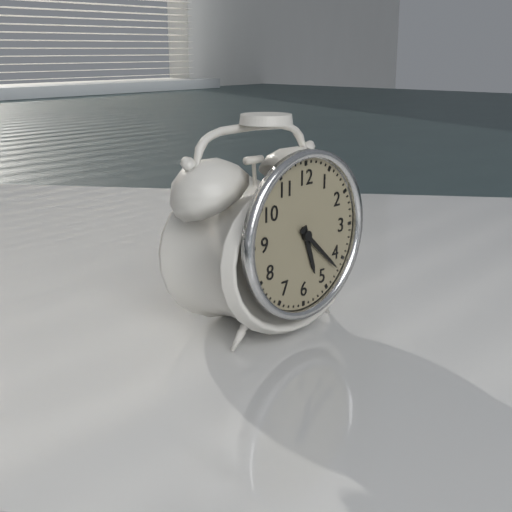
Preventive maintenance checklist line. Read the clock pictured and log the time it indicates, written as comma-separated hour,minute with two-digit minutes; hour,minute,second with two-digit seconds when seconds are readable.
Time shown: 5,22
